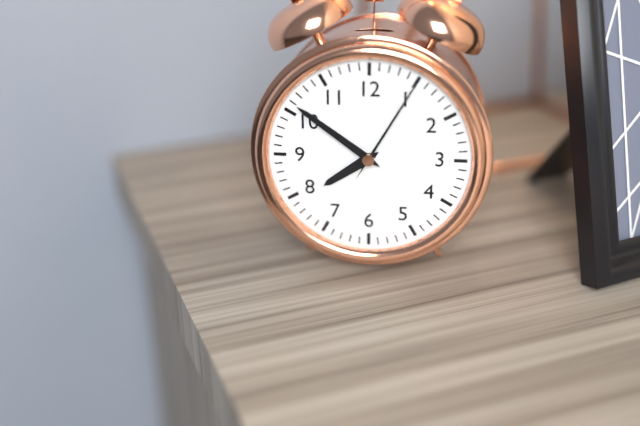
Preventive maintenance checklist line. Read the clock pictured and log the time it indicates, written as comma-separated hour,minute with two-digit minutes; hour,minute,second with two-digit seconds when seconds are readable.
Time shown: 7,51,05
